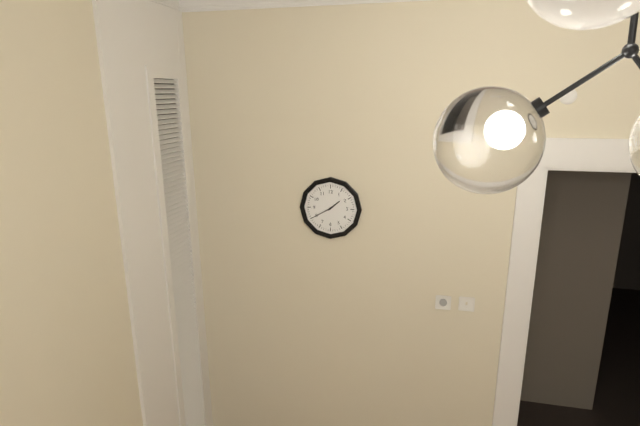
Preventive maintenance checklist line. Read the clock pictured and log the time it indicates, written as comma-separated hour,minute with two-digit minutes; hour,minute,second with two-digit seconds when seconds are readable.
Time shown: 1,40
